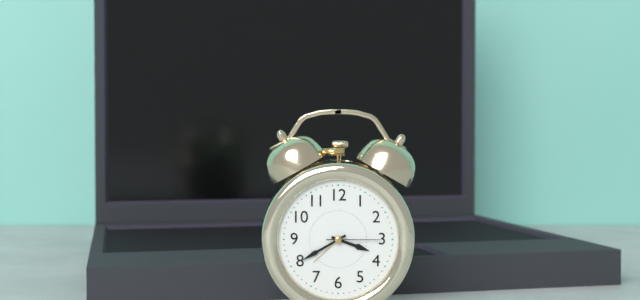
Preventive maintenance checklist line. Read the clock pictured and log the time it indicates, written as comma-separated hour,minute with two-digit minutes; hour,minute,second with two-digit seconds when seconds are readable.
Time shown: 3,40,15
